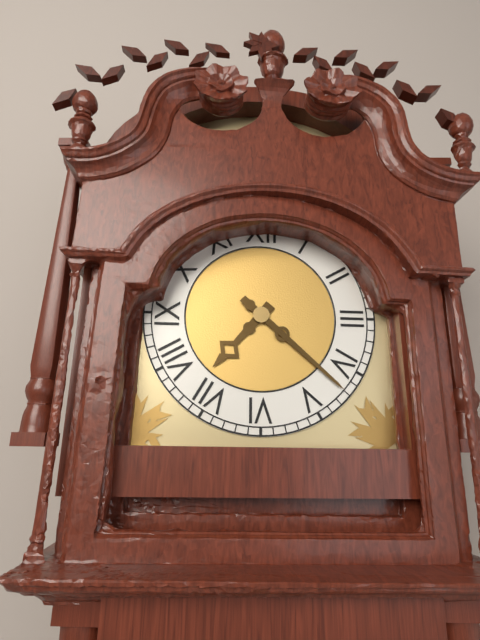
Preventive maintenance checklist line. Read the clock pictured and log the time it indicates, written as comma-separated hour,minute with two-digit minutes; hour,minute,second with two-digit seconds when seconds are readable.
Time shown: 7,22
